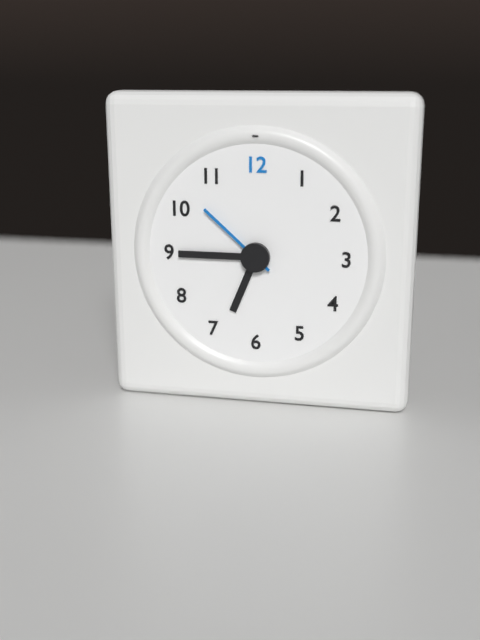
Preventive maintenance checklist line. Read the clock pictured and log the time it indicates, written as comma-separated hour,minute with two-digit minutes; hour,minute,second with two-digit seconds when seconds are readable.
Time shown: 6,45,52
